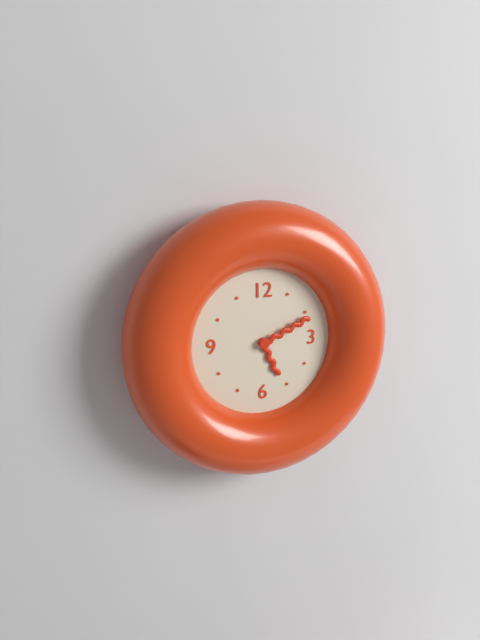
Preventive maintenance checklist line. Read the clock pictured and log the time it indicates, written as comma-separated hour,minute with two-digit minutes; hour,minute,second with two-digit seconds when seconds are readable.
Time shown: 5,11
